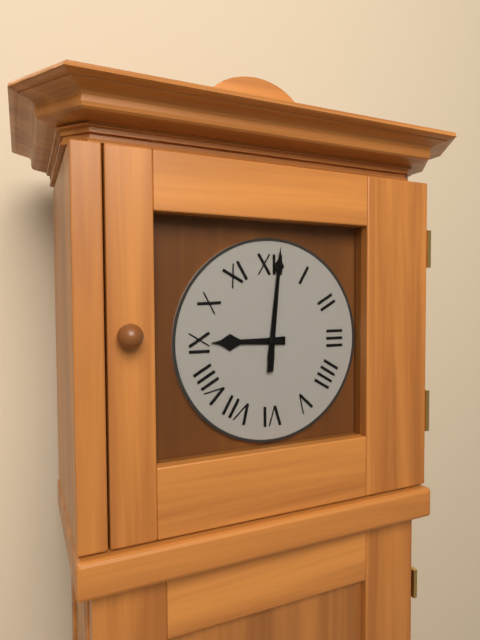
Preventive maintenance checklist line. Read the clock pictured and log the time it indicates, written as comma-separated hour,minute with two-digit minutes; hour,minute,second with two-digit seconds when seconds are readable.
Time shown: 9,01,01
